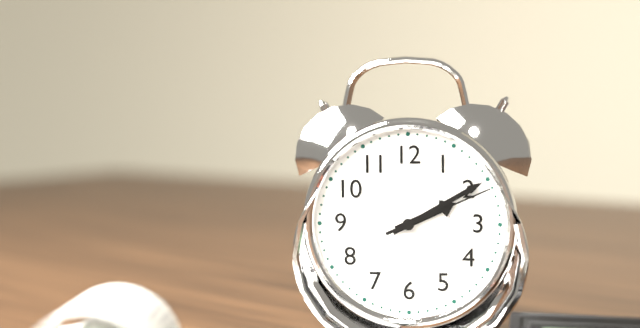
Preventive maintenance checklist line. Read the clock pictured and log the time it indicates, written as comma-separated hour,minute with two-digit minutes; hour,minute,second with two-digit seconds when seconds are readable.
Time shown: 2,10,11
